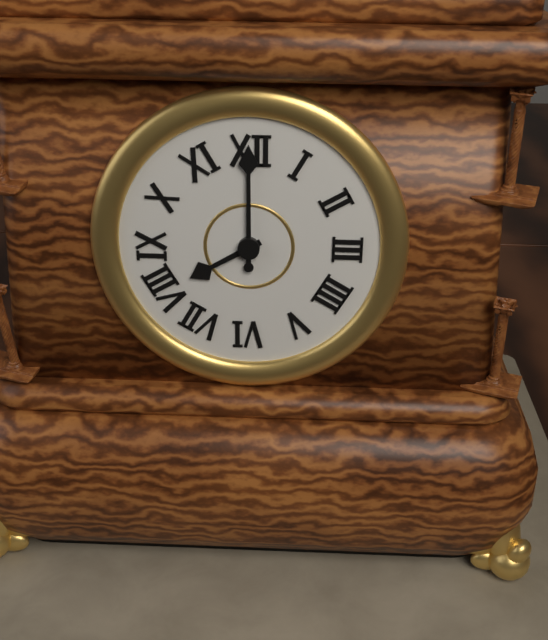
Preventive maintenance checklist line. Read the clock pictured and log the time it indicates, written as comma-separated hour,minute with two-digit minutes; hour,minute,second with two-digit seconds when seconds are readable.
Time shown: 8,00
